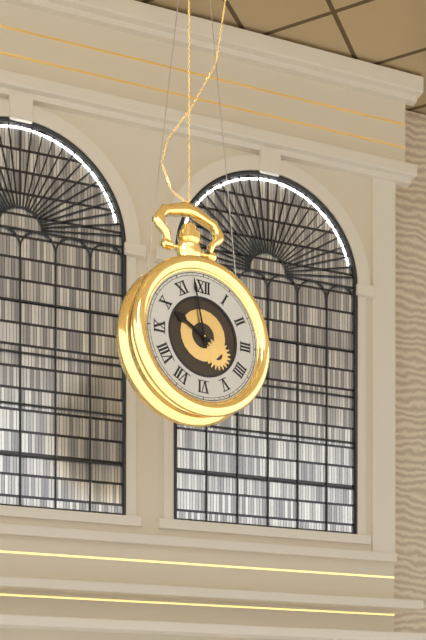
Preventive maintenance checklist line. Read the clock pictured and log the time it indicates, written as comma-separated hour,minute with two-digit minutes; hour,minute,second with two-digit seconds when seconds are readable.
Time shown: 9,58
